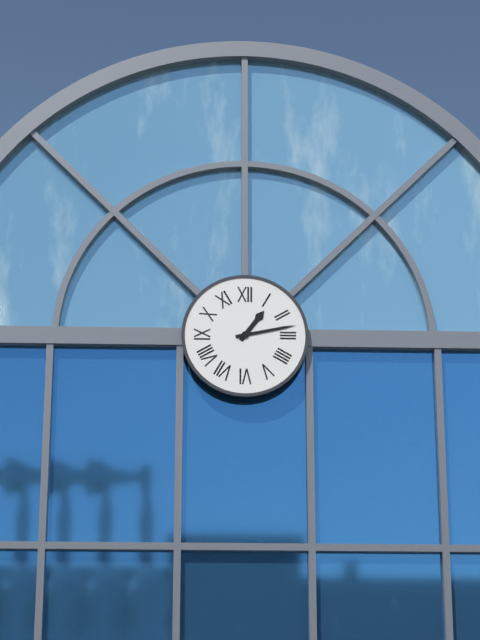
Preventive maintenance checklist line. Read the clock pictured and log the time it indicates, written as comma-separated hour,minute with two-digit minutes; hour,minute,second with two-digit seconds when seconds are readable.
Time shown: 1,13
